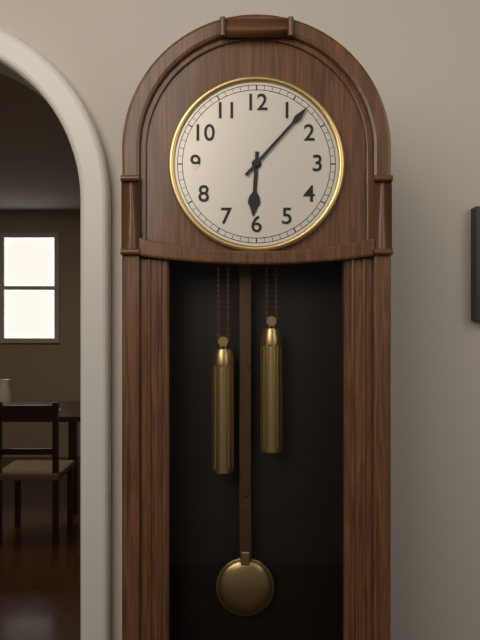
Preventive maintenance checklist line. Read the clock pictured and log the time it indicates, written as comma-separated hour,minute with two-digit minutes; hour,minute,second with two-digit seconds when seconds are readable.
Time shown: 6,07
